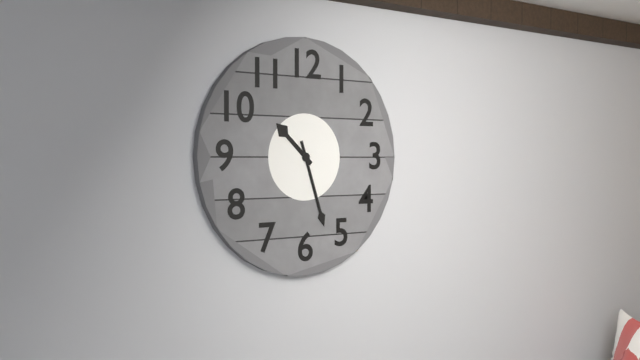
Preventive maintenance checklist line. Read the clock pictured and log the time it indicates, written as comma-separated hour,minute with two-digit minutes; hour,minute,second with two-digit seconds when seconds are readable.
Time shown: 10,27
